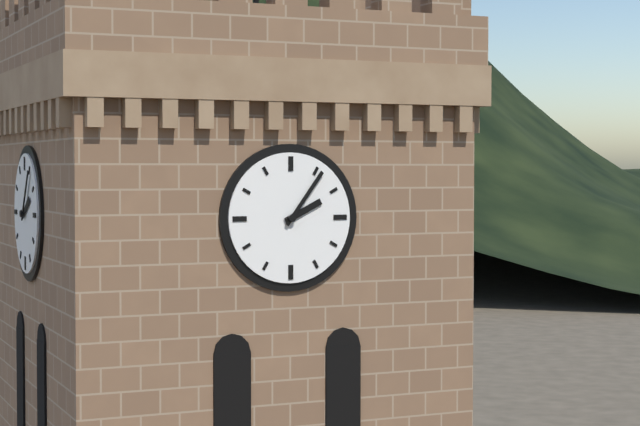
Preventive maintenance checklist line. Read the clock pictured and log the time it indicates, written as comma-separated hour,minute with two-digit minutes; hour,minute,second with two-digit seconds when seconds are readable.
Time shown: 2,06
